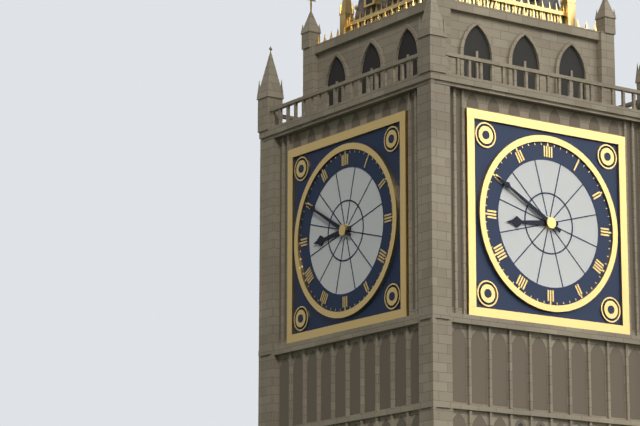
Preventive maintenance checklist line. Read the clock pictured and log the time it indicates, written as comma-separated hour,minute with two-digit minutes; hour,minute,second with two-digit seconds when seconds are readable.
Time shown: 8,50
